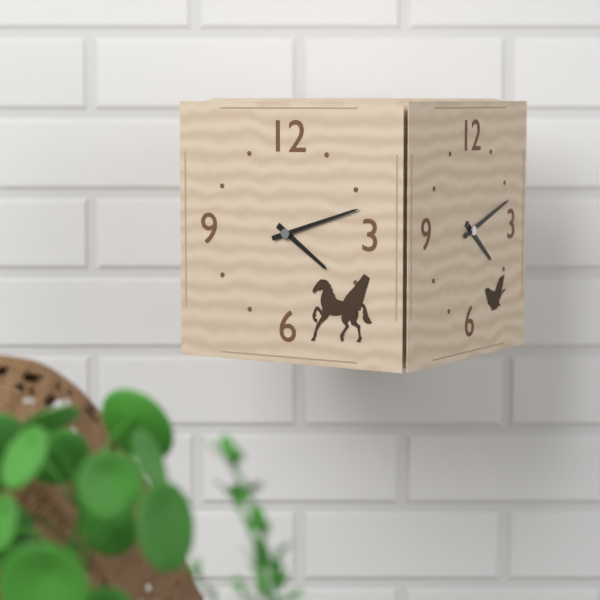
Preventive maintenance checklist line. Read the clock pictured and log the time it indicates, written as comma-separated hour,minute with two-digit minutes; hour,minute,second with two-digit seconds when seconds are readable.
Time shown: 4,12
